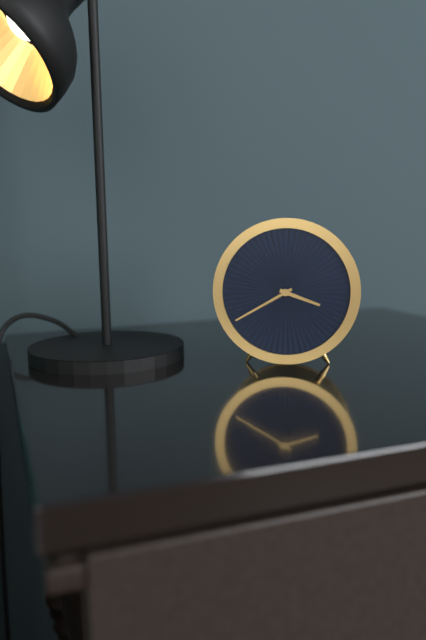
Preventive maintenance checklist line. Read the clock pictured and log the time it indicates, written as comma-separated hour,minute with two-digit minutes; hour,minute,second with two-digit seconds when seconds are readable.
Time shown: 3,40
